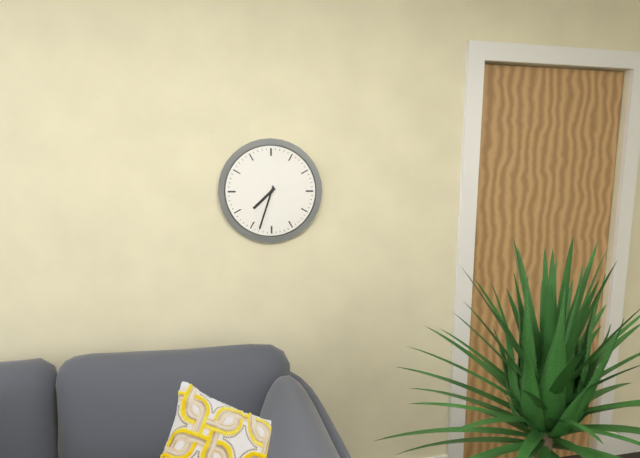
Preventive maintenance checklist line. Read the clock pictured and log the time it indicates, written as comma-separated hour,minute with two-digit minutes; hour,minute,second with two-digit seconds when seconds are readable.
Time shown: 7,33
